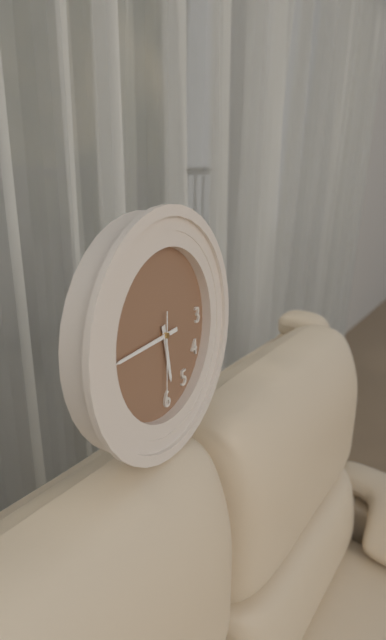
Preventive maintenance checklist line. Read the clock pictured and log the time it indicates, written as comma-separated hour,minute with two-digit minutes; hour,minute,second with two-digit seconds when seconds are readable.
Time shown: 5,45,31
